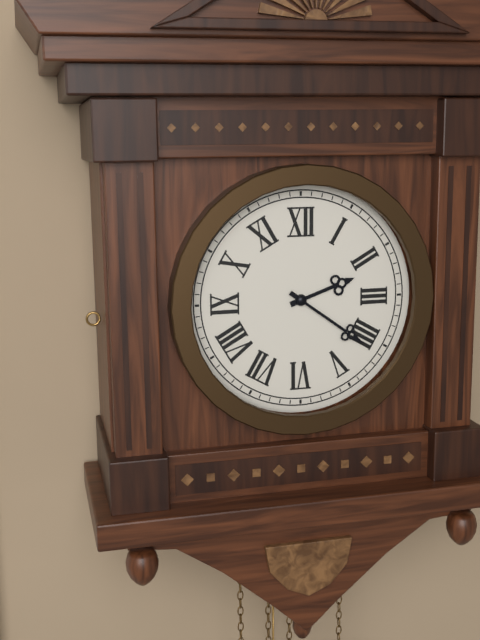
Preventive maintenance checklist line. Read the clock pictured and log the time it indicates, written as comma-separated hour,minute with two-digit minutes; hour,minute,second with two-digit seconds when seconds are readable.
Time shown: 2,21
